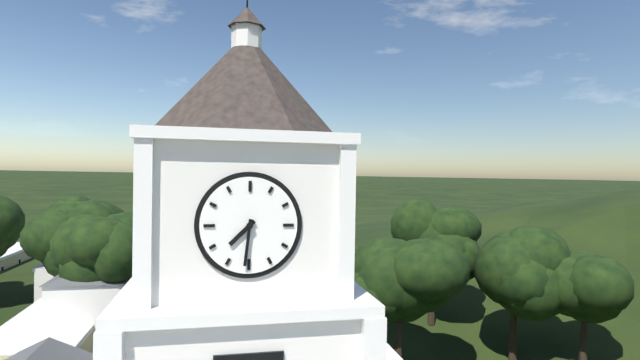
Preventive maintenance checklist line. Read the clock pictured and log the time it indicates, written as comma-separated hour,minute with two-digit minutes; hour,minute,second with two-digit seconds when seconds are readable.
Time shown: 7,31
